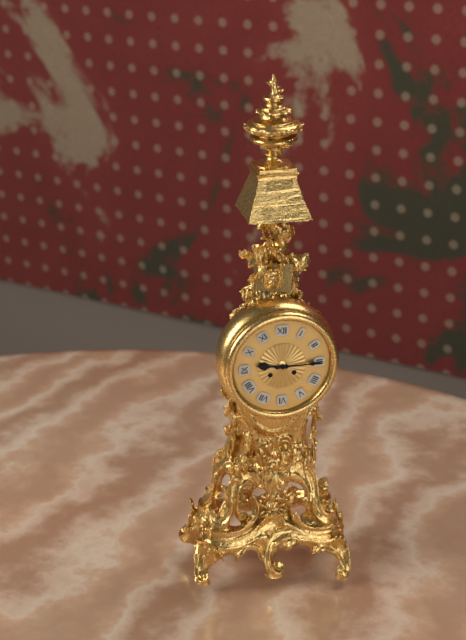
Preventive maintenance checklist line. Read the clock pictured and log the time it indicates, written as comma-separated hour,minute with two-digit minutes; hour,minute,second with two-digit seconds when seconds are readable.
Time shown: 9,15
